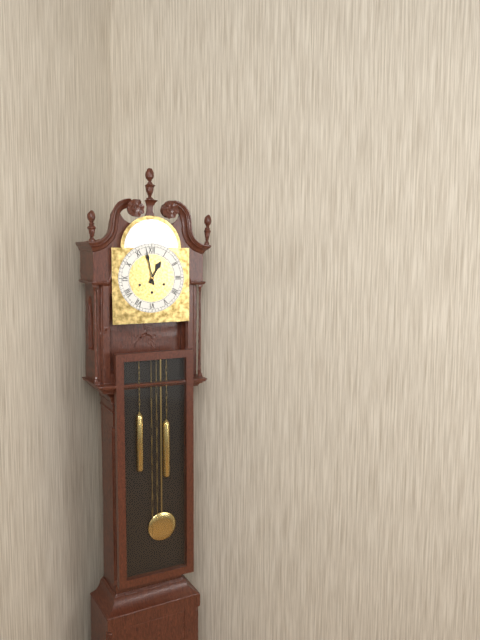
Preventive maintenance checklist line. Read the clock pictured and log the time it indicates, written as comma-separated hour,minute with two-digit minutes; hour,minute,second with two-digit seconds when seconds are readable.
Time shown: 12,58
